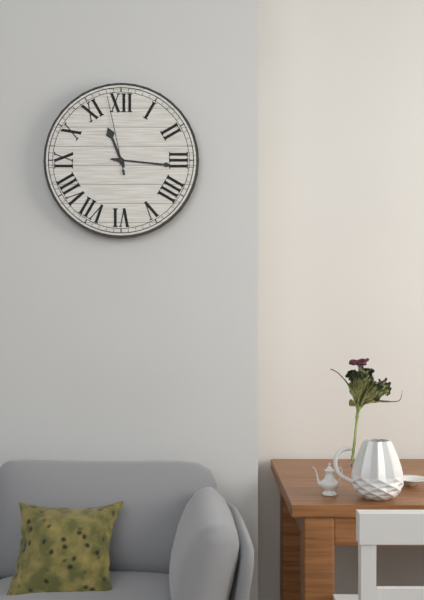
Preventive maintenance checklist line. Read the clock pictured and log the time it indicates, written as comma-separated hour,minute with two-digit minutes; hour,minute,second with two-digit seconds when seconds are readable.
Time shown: 11,16,58
